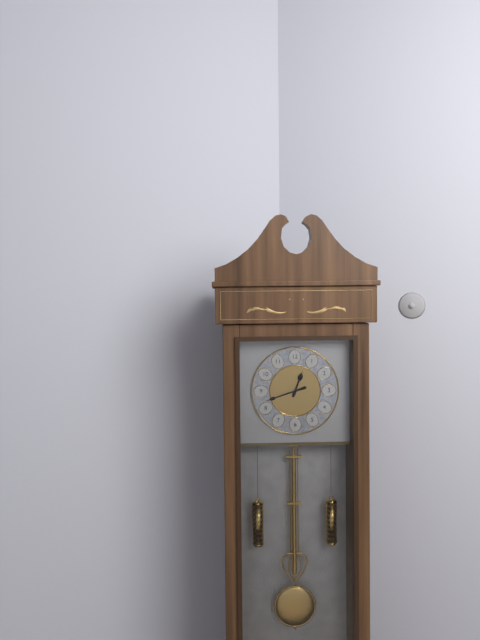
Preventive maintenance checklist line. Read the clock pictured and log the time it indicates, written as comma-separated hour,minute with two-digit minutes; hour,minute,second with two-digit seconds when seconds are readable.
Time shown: 12,42
